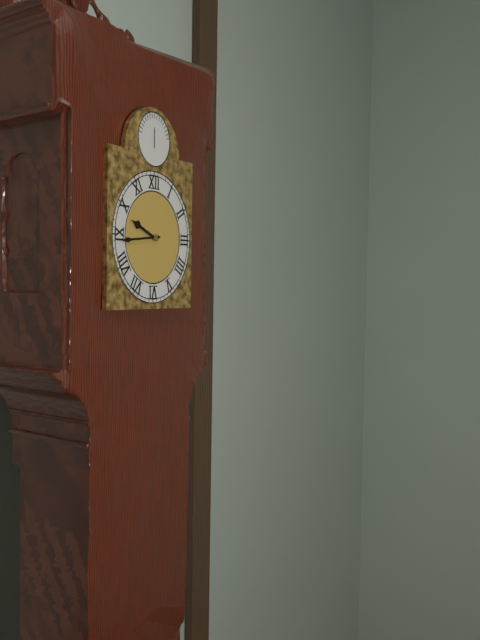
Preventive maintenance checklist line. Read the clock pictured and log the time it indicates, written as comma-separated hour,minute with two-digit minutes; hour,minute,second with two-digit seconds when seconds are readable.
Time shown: 9,44
